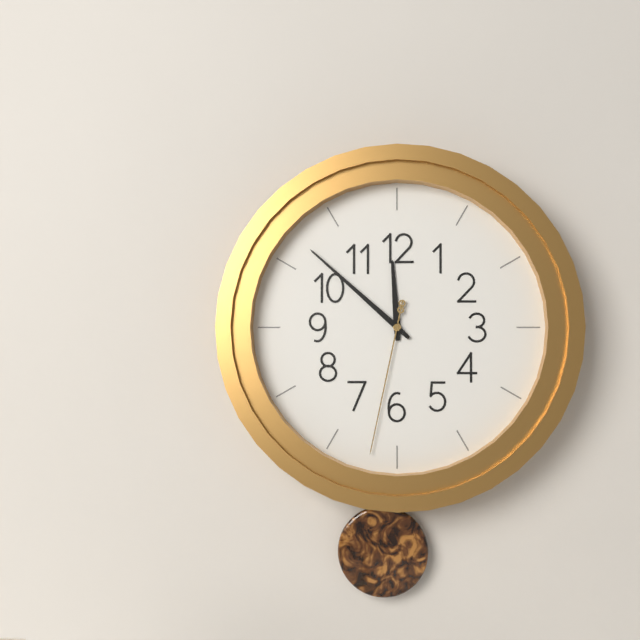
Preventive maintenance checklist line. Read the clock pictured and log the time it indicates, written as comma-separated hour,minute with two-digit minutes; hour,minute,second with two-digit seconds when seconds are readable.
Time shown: 11,52,32
